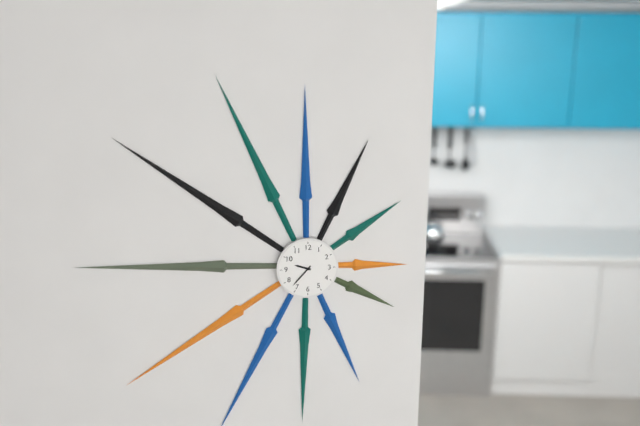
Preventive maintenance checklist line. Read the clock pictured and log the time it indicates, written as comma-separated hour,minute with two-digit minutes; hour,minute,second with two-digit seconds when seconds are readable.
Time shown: 9,37
